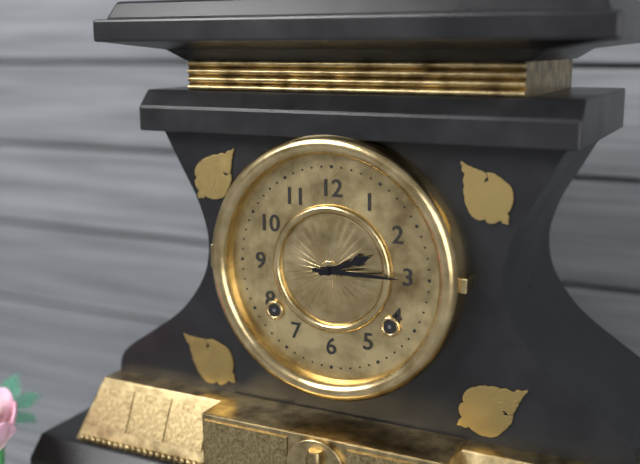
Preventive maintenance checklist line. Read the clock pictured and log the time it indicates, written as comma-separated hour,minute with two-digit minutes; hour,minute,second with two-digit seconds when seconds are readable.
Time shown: 2,15
